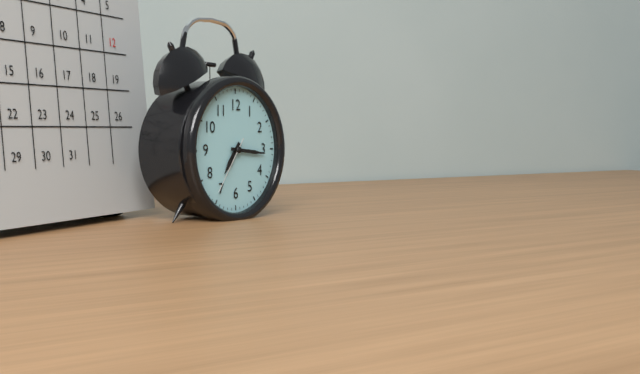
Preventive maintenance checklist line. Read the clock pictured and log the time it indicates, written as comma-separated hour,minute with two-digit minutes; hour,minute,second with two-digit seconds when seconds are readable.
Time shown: 7,16,36
